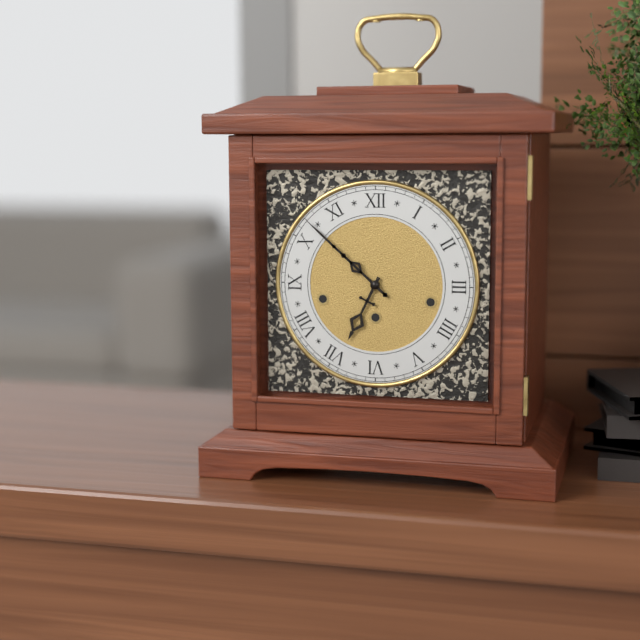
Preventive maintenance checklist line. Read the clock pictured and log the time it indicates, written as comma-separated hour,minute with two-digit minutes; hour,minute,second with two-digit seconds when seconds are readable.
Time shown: 6,52
